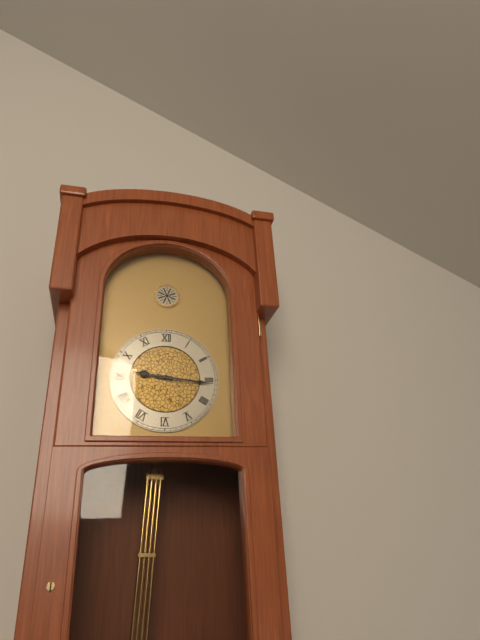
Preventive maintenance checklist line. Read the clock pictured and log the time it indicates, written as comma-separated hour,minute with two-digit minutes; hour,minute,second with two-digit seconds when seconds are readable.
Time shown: 9,16
